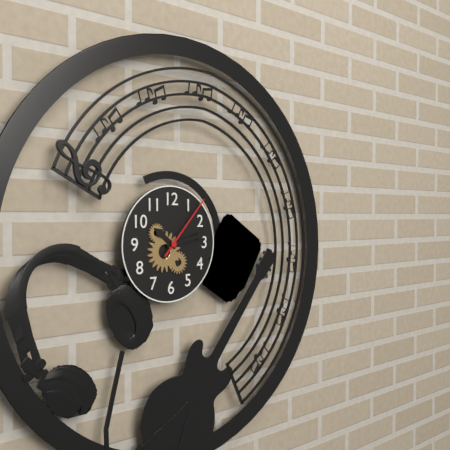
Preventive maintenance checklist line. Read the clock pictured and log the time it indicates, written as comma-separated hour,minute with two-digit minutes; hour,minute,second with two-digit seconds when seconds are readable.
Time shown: 10,13,07
